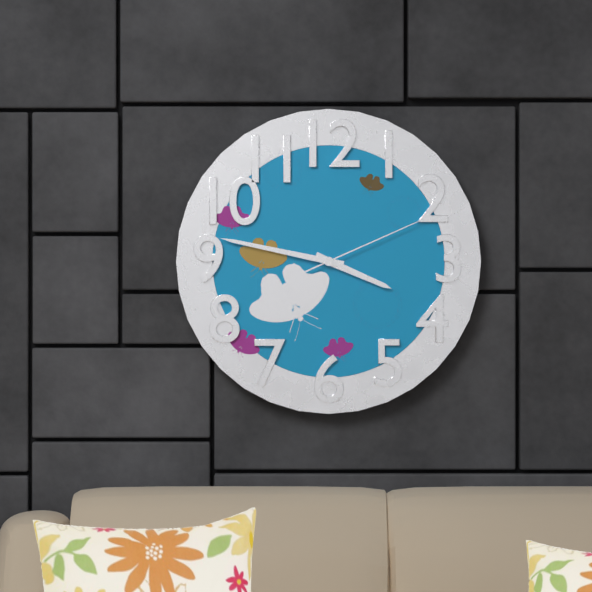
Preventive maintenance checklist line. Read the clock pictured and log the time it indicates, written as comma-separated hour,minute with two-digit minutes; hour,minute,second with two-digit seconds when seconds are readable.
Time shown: 3,47,11
